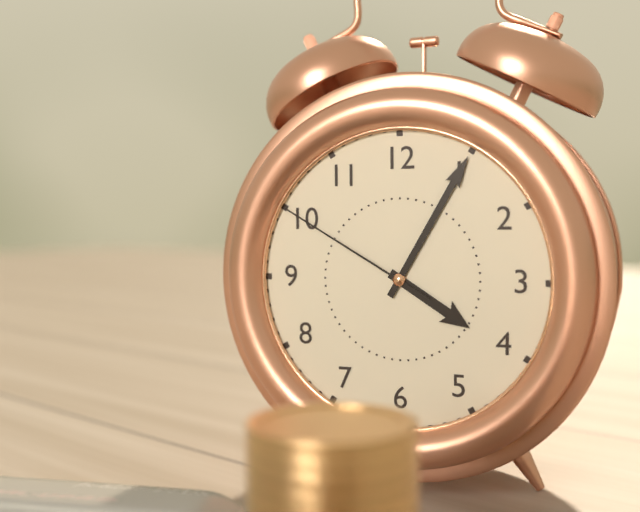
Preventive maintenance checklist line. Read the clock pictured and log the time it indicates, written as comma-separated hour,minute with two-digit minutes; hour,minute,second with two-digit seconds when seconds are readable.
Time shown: 4,05,50
